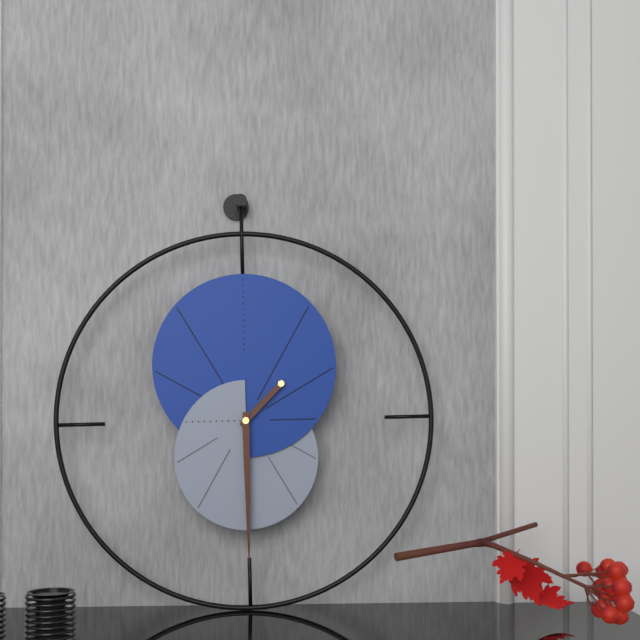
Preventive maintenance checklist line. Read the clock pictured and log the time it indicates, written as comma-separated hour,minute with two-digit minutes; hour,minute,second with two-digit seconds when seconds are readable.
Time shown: 1,30
